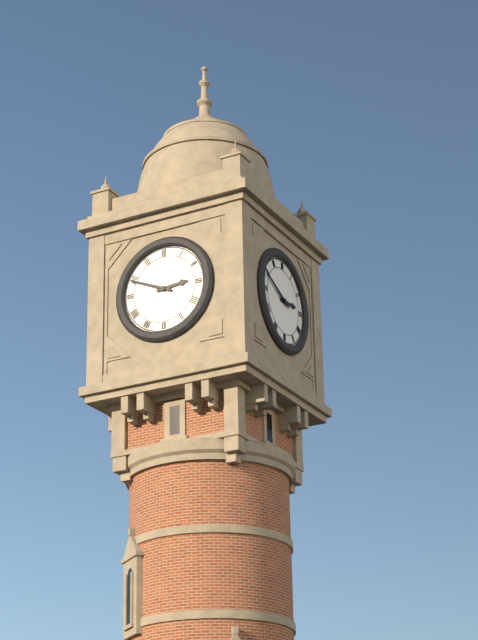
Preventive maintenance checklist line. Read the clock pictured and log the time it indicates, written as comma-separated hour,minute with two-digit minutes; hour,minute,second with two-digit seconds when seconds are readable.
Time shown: 2,49
